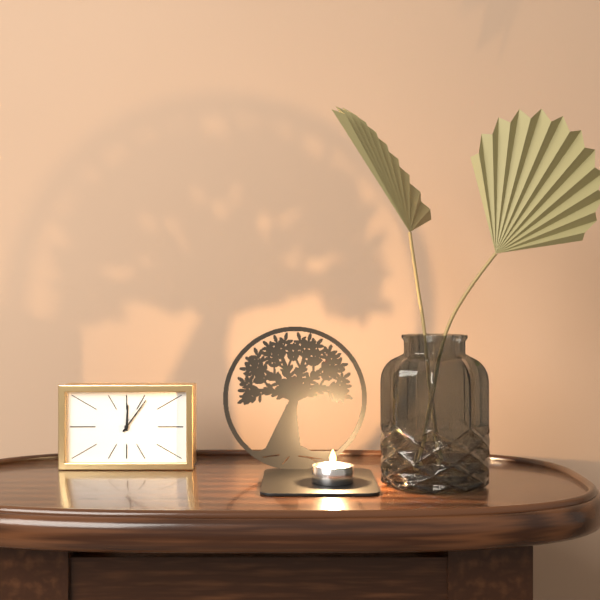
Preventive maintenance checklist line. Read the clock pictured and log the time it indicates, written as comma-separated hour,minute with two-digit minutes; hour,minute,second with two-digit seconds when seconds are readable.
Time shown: 12,06
